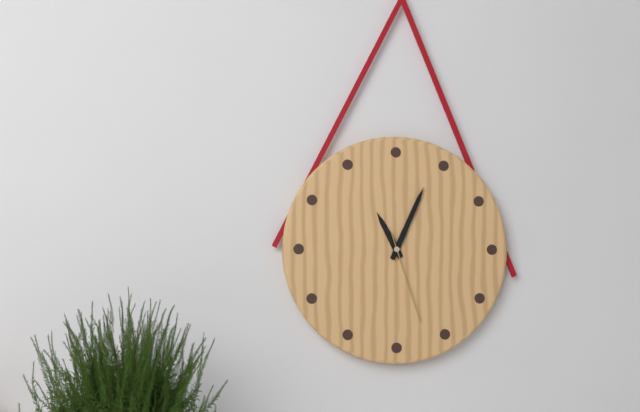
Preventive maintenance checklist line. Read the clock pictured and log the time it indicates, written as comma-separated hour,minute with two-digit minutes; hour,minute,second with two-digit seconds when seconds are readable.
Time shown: 11,04,27
